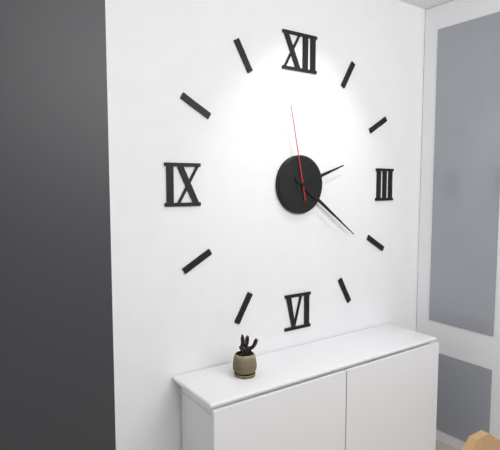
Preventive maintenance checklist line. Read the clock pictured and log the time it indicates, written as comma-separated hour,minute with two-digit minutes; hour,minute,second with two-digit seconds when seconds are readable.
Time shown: 2,21,58
